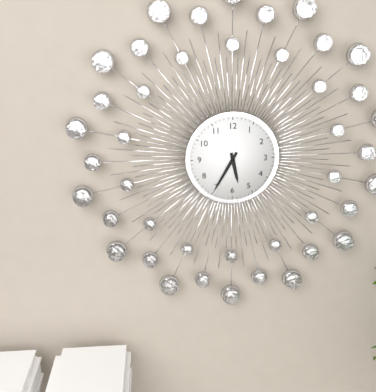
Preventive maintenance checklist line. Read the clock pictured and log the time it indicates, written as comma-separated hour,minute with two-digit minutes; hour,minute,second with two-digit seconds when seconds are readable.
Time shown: 5,35
